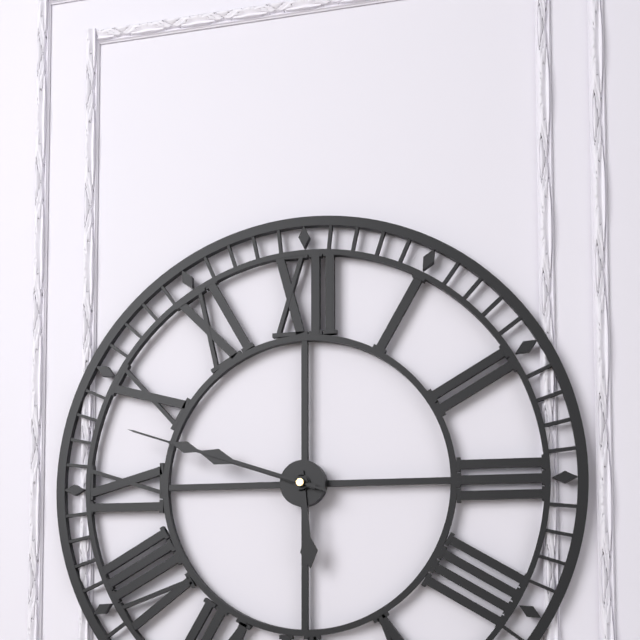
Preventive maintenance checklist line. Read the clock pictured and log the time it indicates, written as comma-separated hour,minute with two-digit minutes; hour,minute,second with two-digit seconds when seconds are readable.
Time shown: 5,48,48
